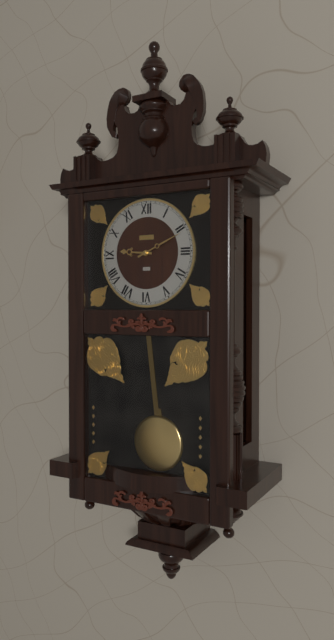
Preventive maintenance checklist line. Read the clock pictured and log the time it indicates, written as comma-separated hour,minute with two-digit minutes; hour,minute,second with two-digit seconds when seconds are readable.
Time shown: 9,11
